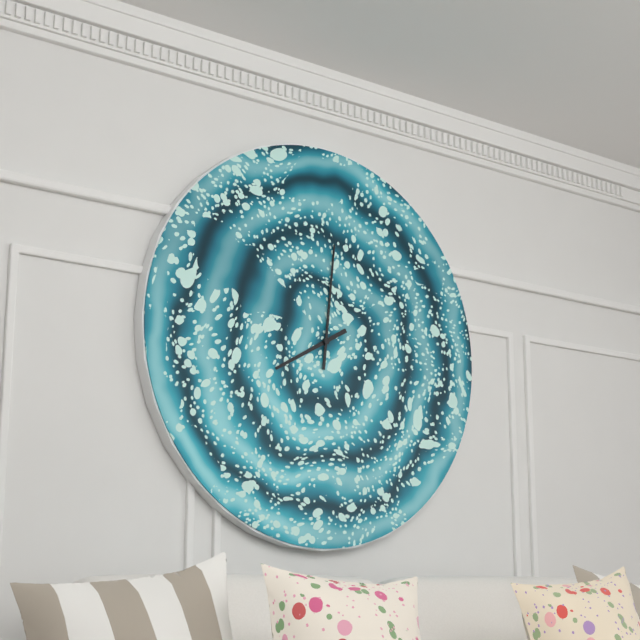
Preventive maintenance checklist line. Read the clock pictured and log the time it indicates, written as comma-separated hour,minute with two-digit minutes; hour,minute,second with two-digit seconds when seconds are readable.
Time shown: 8,01
